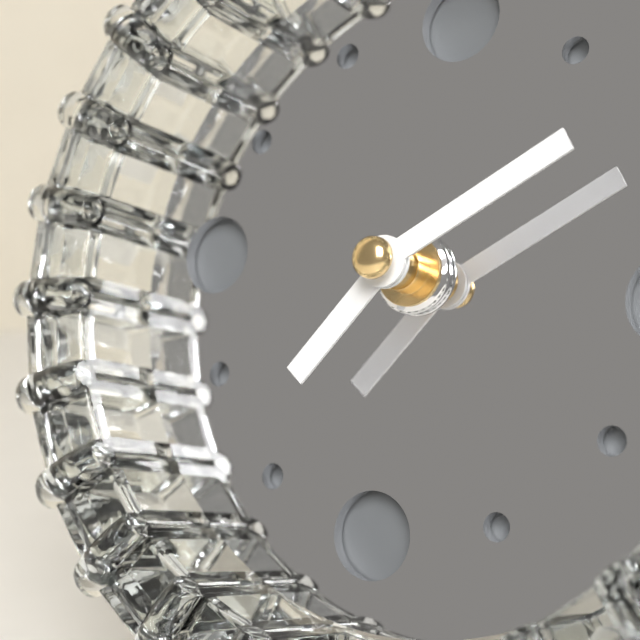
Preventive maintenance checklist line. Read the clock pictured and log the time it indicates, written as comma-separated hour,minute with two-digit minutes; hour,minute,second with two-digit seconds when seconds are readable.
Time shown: 7,09
